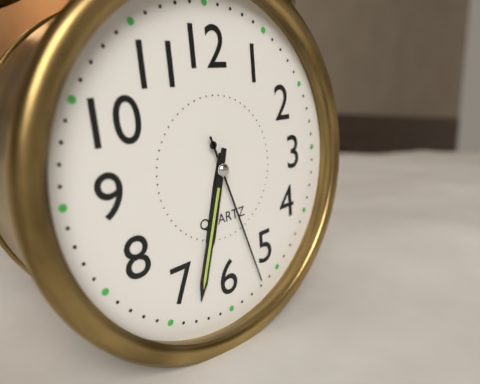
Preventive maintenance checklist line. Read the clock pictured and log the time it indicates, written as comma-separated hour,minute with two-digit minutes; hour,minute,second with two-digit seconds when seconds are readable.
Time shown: 6,33,27
